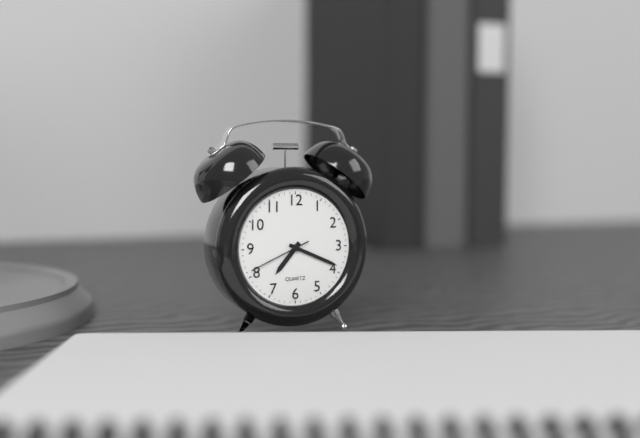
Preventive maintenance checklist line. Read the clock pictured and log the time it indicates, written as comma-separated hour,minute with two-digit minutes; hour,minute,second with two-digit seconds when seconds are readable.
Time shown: 7,19,41
